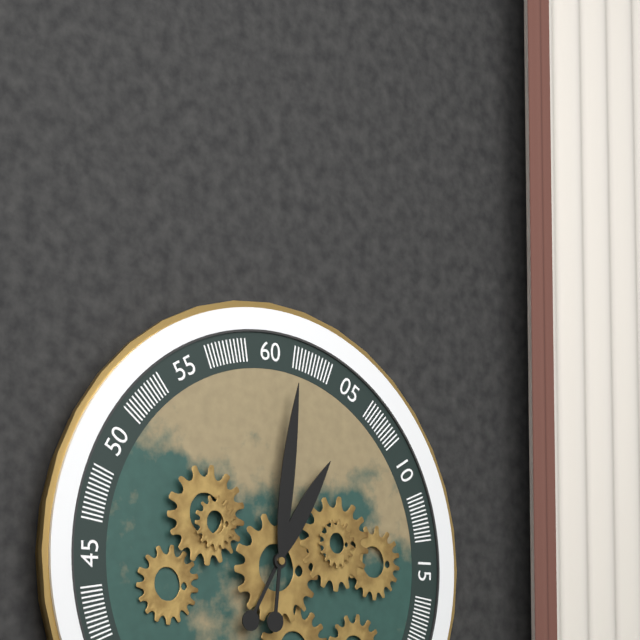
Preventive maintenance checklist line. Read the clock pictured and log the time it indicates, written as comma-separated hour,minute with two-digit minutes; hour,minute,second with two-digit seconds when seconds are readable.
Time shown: 1,01
